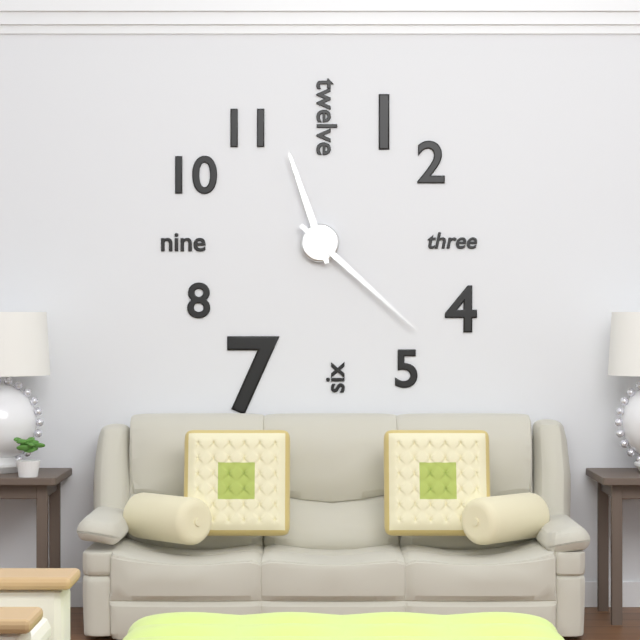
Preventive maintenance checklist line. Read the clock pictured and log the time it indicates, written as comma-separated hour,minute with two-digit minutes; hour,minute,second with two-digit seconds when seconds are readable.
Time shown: 11,22
